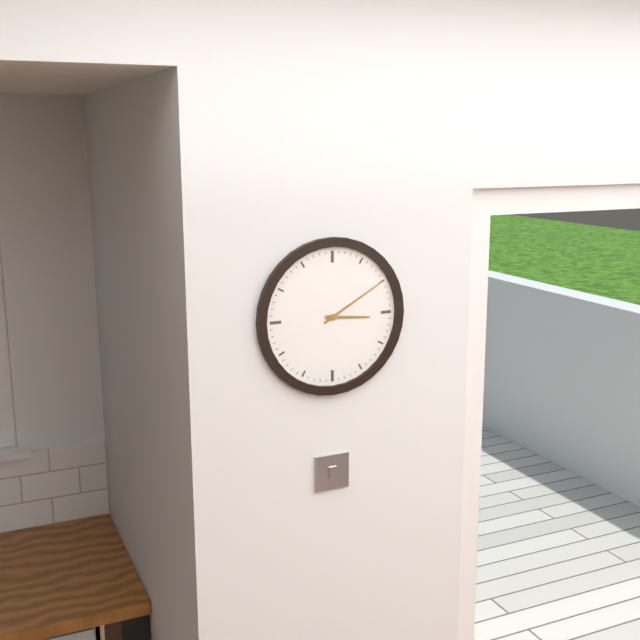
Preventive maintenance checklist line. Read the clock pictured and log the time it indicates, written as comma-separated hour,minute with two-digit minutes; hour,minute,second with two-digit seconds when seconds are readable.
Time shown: 3,10
